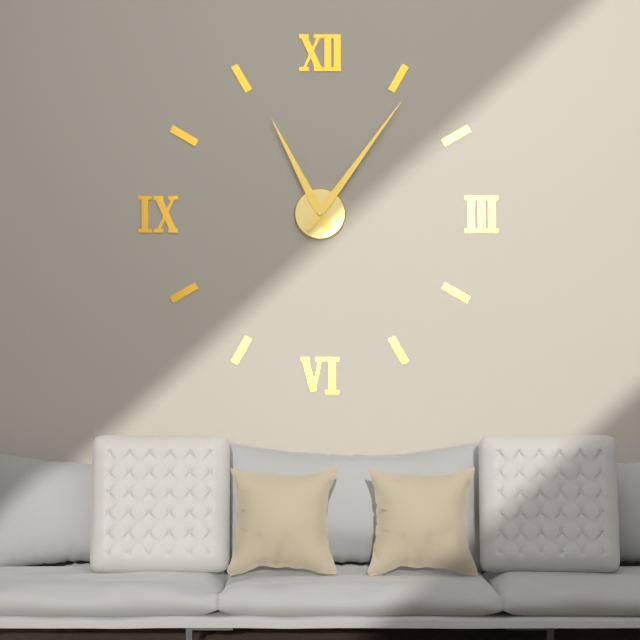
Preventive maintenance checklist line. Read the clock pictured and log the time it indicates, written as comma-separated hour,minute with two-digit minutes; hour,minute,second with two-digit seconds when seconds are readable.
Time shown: 11,06
